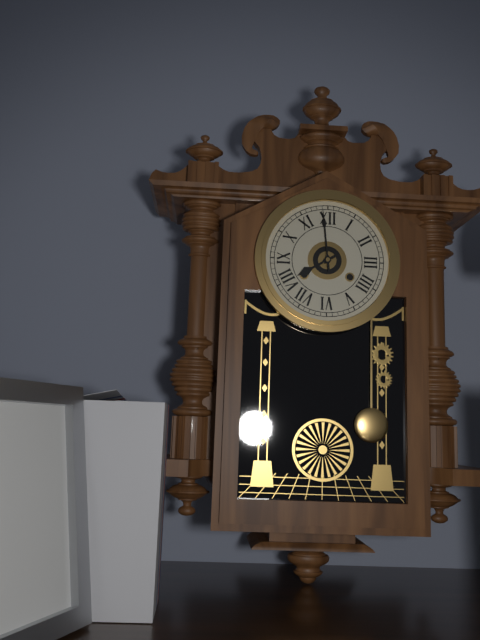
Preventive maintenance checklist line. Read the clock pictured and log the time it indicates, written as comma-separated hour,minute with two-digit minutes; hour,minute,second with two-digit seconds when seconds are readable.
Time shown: 7,59
